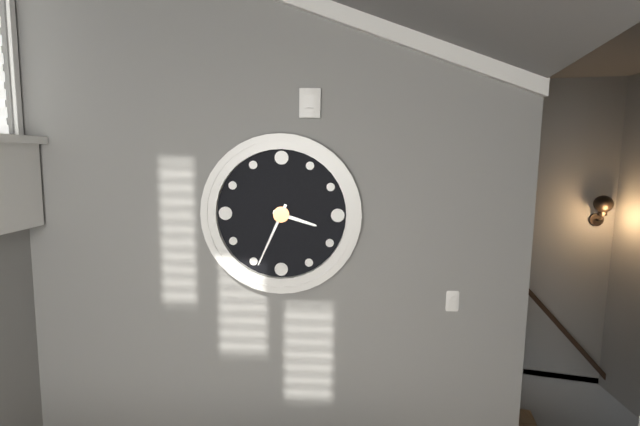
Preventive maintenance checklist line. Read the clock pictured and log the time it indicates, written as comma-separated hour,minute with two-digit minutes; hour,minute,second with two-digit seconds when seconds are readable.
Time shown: 3,34
